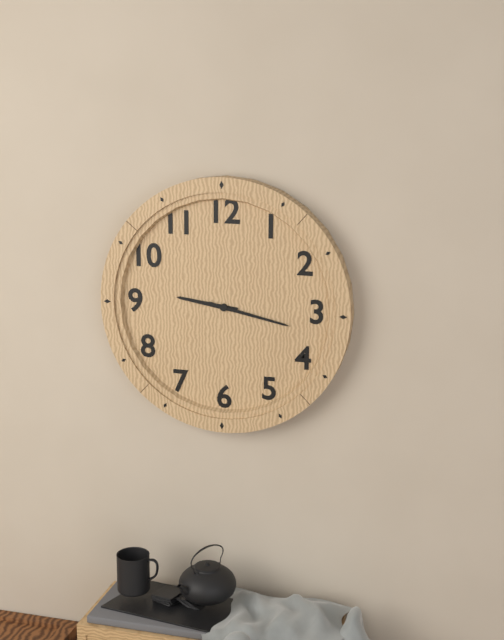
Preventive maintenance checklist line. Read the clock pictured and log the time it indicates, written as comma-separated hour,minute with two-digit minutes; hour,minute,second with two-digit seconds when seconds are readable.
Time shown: 9,17
